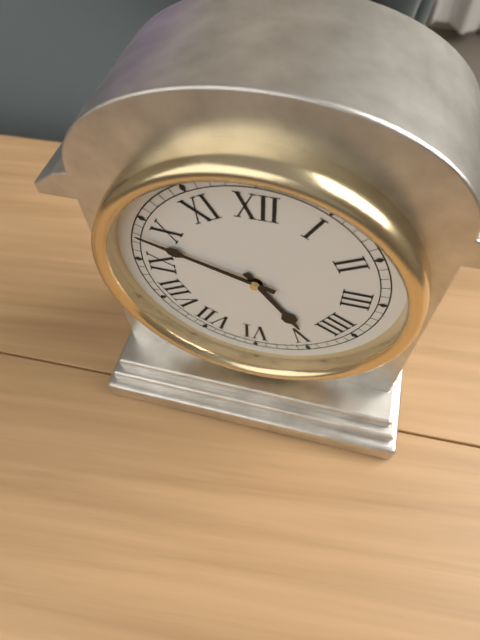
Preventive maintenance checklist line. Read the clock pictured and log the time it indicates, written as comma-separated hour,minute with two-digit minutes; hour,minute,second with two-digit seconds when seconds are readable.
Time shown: 4,48
